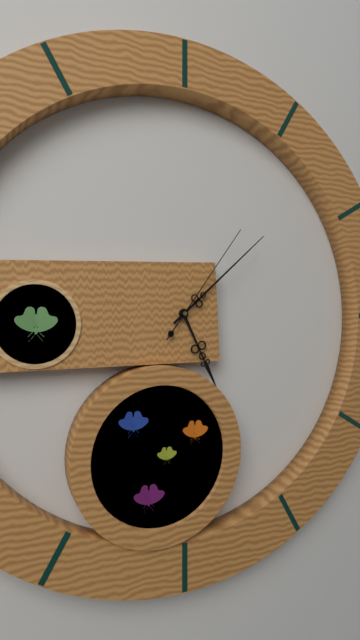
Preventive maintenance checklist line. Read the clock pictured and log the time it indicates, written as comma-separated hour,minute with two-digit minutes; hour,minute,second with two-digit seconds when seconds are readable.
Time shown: 5,08,06
